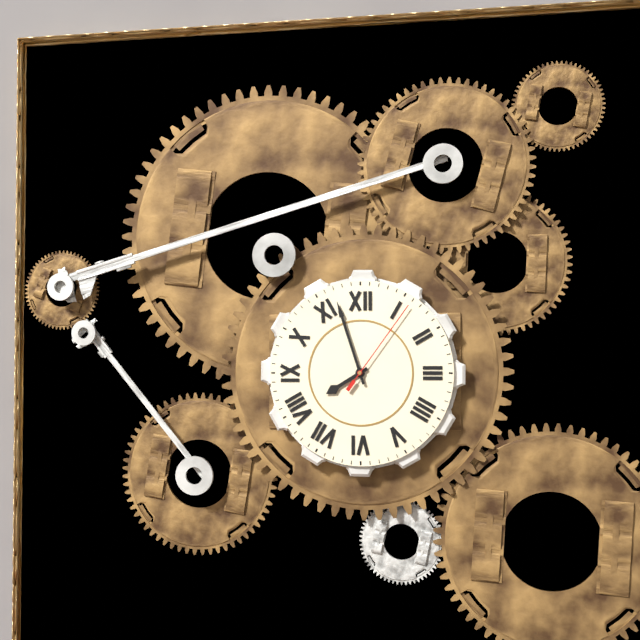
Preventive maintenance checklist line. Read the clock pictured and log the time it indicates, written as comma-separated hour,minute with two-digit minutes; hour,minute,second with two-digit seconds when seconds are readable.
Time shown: 7,57,06
